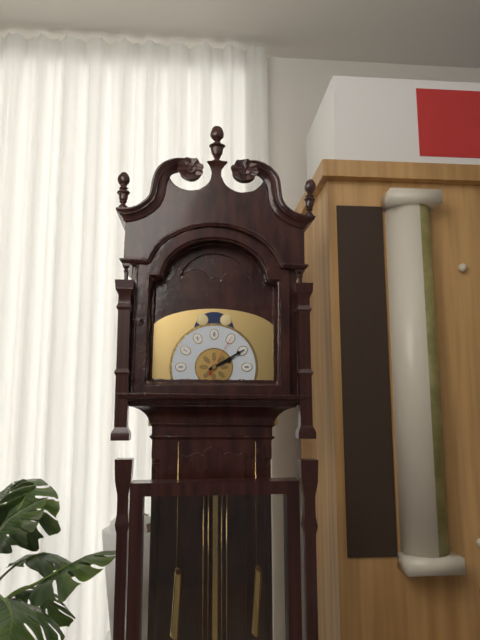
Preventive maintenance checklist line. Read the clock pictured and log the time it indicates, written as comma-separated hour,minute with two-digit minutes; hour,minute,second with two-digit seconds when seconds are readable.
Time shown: 2,10
